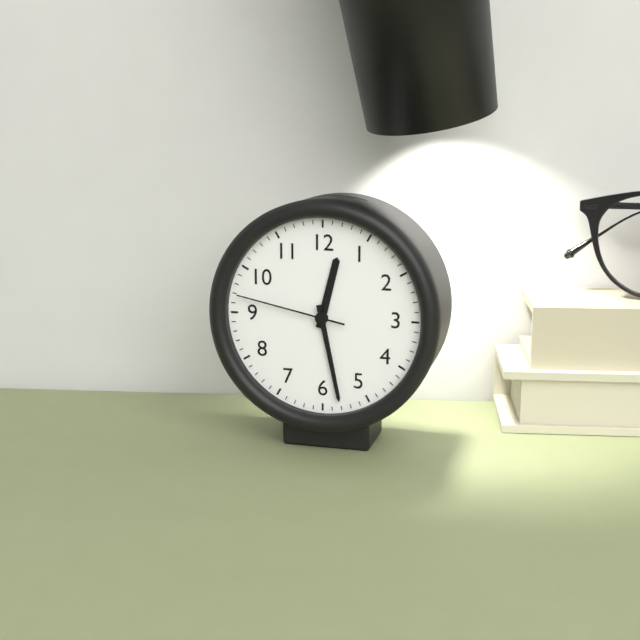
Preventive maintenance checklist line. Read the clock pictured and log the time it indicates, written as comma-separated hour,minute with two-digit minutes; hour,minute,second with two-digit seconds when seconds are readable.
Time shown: 12,28,47
